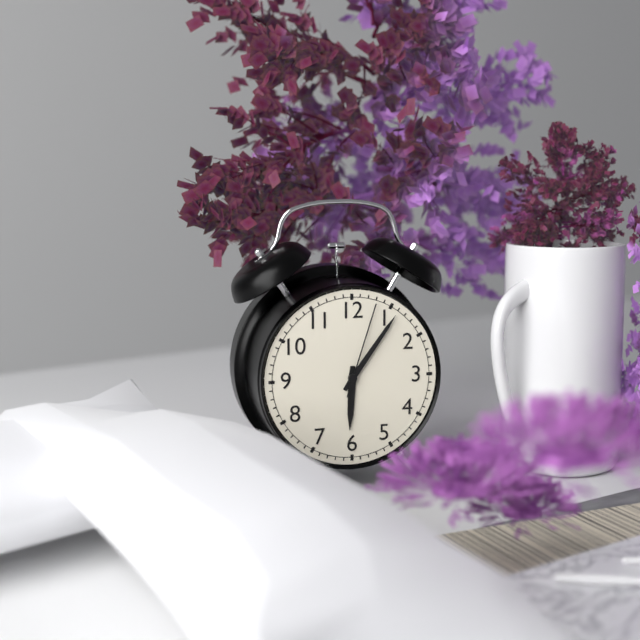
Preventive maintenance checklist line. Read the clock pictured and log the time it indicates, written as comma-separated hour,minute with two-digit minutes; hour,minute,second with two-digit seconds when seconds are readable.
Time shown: 6,06,03
